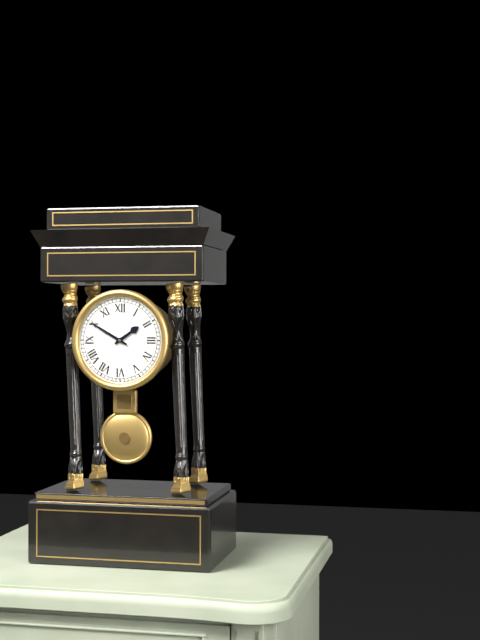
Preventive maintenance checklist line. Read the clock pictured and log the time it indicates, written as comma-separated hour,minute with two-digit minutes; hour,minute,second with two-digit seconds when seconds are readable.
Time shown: 1,50
